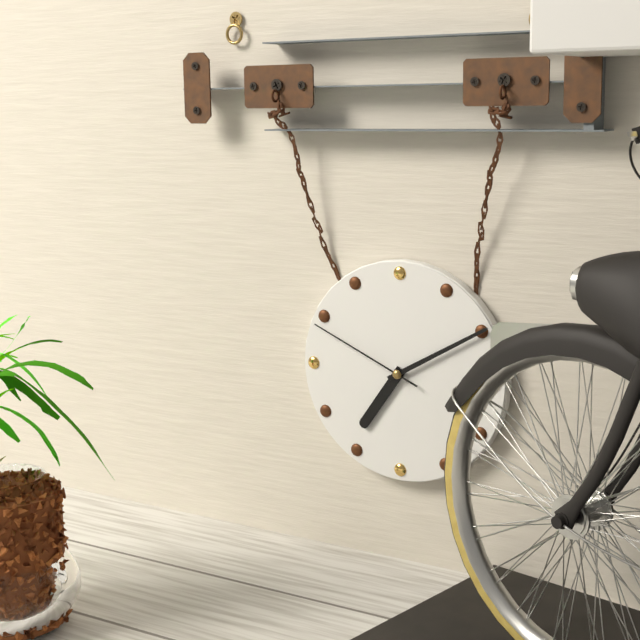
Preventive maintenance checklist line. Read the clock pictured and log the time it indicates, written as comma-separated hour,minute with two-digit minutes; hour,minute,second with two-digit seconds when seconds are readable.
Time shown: 7,10,49
